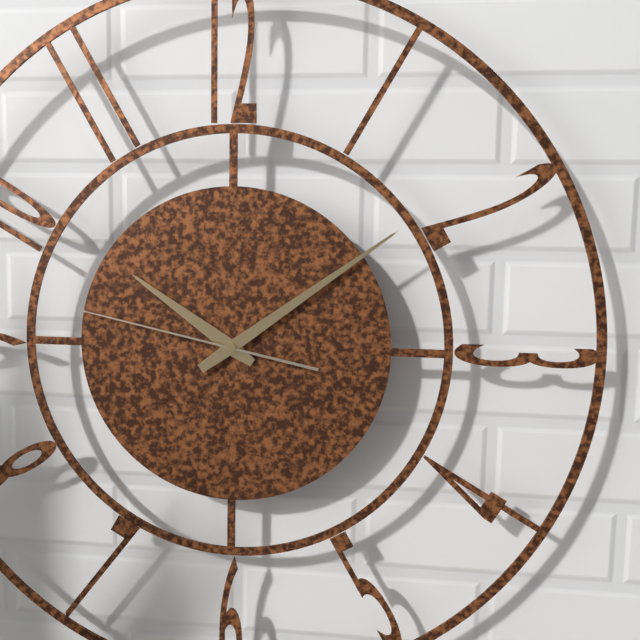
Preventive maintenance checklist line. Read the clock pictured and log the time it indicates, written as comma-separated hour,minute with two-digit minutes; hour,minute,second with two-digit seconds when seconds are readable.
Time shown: 10,09,47
